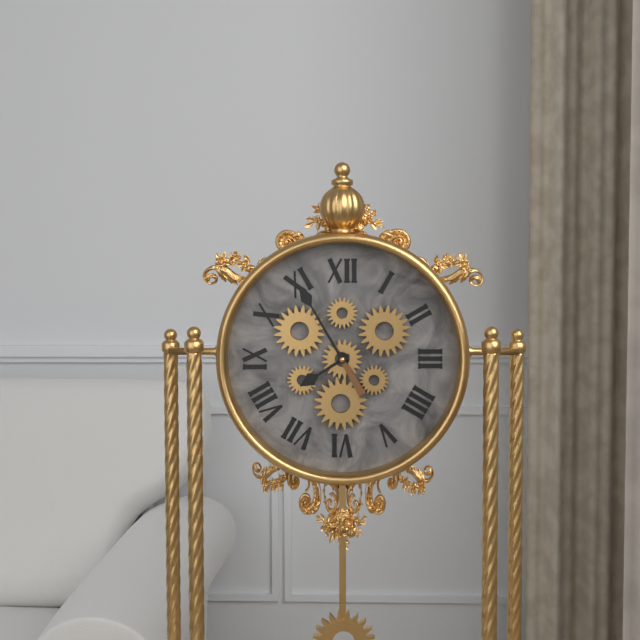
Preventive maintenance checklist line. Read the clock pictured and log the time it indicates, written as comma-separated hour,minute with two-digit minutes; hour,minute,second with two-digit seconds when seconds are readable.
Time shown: 7,55
